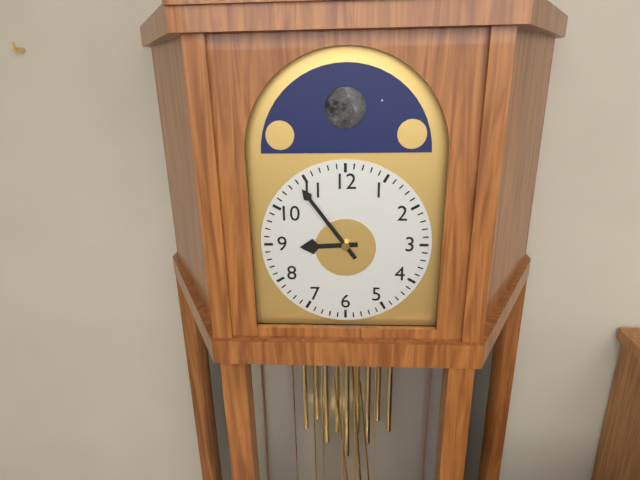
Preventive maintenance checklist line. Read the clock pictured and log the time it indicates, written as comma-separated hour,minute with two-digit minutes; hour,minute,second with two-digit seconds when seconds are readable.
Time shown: 8,54
